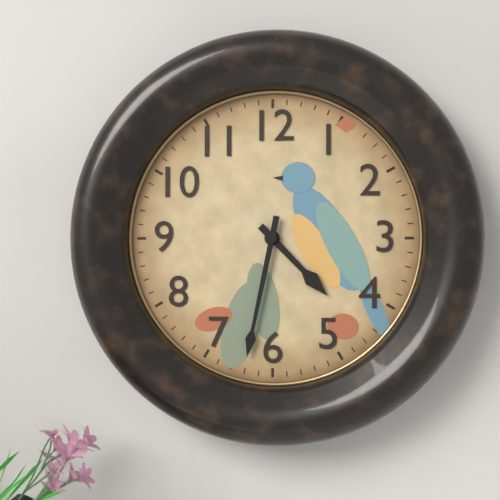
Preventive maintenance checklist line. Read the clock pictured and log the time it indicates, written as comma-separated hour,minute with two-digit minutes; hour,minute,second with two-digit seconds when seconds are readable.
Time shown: 4,32
